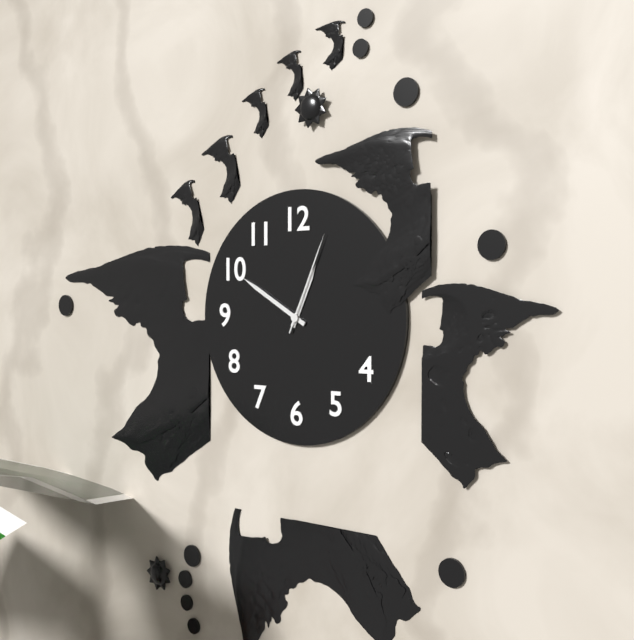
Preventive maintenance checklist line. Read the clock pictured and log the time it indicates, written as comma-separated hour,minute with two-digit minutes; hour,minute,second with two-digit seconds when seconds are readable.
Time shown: 12,50,04
